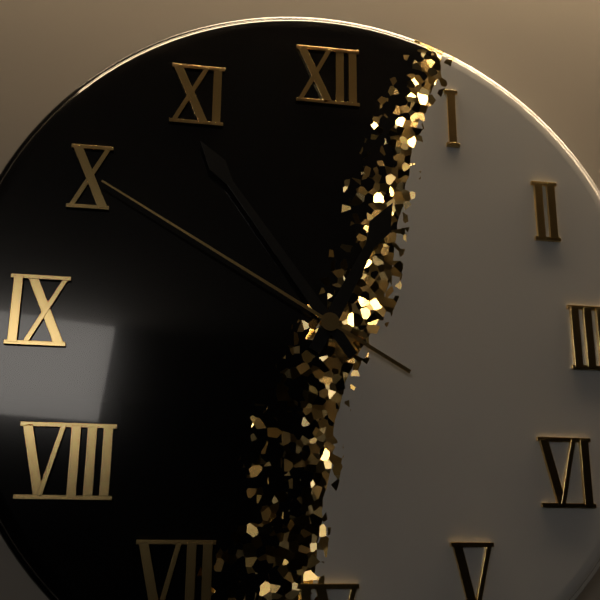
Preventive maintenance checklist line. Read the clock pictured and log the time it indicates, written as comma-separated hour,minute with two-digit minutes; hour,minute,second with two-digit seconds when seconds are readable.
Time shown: 12,54,50
